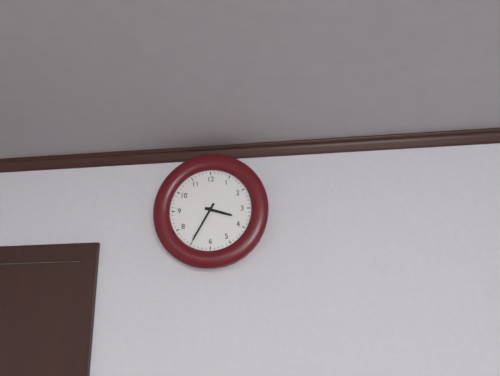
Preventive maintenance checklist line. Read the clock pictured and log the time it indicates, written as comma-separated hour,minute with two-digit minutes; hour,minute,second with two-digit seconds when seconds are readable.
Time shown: 3,35
